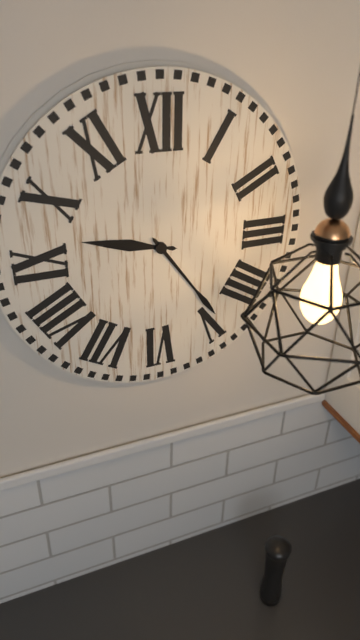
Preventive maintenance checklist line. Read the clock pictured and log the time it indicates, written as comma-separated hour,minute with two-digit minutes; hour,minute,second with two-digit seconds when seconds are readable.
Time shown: 9,24
